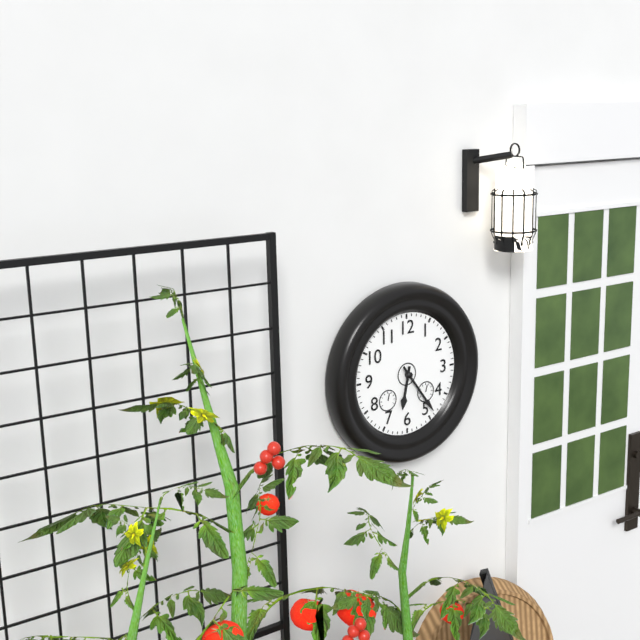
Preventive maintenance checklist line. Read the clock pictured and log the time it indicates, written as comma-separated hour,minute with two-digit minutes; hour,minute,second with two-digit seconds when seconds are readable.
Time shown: 6,24
